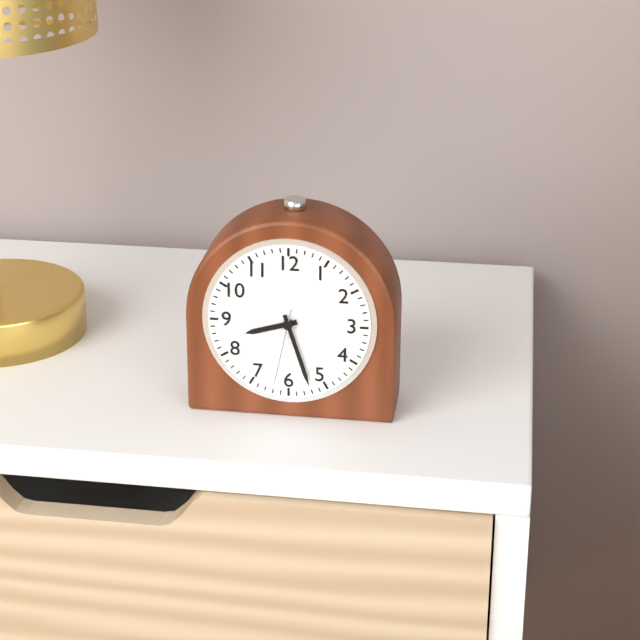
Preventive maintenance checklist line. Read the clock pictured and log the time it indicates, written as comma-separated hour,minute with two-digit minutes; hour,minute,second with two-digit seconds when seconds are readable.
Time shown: 8,27,32
